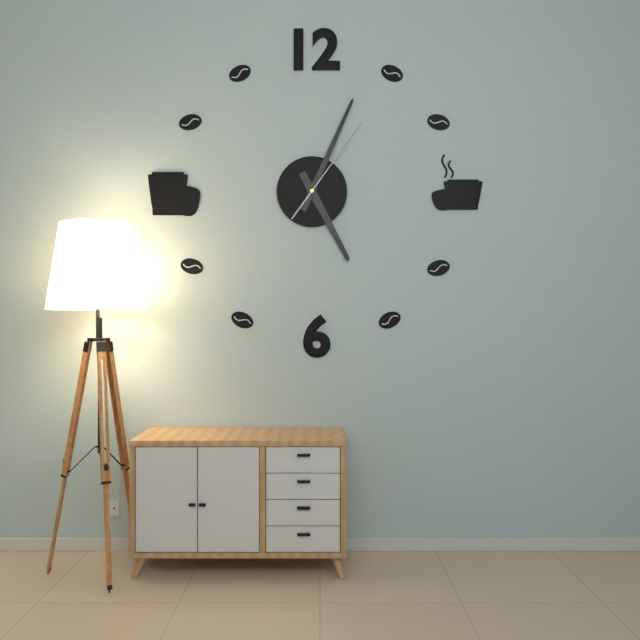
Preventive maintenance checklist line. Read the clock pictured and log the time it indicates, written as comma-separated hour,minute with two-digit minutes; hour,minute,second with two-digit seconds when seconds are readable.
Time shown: 5,04,06
